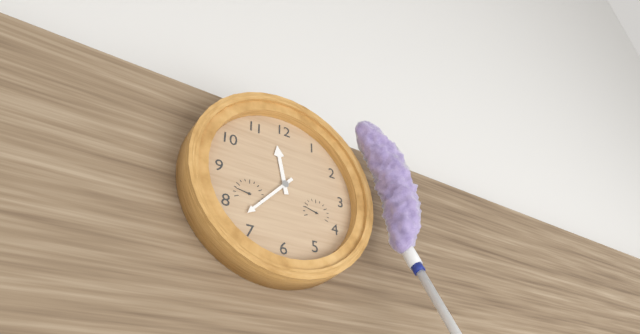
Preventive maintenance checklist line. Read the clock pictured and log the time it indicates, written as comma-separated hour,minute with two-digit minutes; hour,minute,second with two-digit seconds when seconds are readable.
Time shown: 11,37
